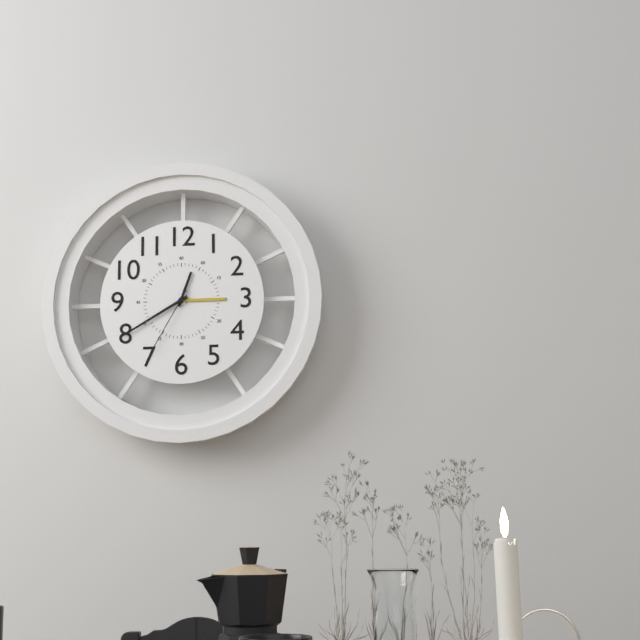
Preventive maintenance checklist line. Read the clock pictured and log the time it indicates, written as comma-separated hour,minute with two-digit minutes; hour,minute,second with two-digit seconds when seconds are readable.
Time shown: 12,40,35
